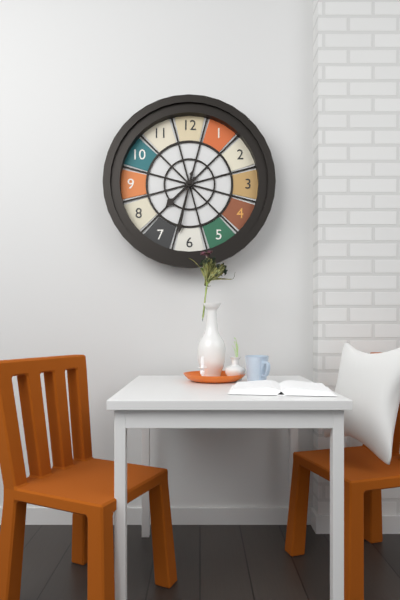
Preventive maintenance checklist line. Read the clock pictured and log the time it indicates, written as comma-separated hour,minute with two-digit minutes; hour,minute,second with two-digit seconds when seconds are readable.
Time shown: 7,32
